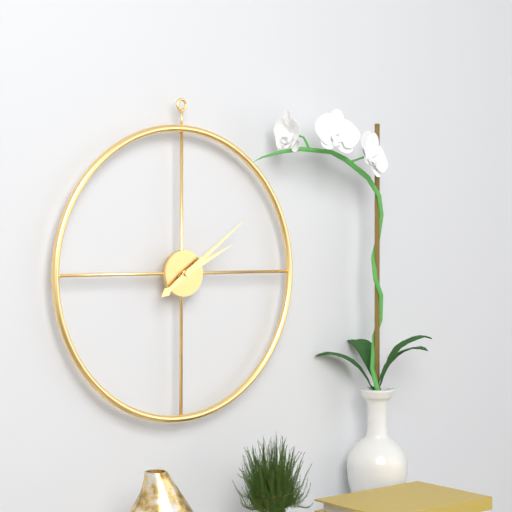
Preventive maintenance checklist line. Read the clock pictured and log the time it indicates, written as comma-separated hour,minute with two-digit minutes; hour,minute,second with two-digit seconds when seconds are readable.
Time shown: 2,09
